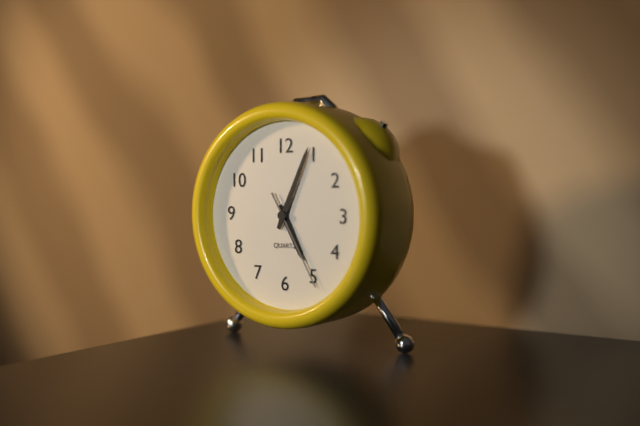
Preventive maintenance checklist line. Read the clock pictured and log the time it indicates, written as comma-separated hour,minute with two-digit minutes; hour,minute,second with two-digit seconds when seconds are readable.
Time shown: 5,04,25
